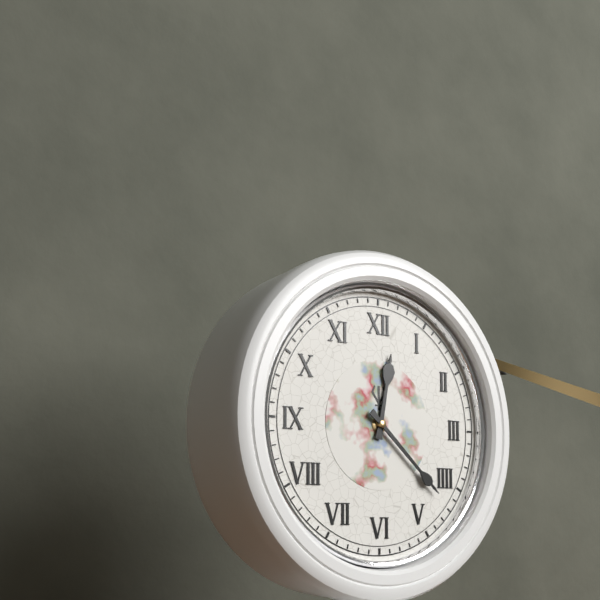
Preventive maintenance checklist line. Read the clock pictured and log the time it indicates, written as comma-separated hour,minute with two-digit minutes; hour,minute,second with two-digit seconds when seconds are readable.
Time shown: 12,22
